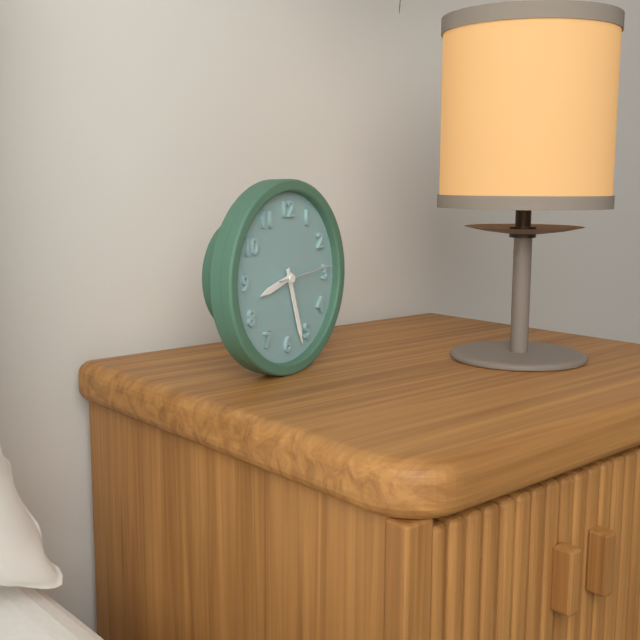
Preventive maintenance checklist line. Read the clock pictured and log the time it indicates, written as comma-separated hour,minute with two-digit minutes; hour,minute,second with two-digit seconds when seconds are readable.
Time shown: 8,27,14
